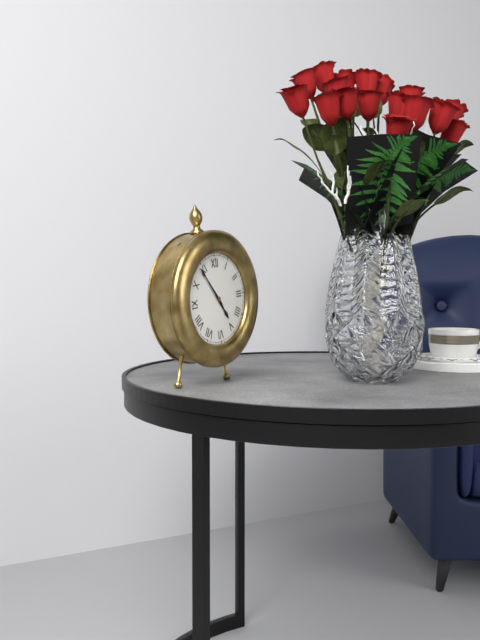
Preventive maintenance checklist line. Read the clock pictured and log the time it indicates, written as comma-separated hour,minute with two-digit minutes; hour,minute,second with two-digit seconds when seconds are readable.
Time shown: 4,54
